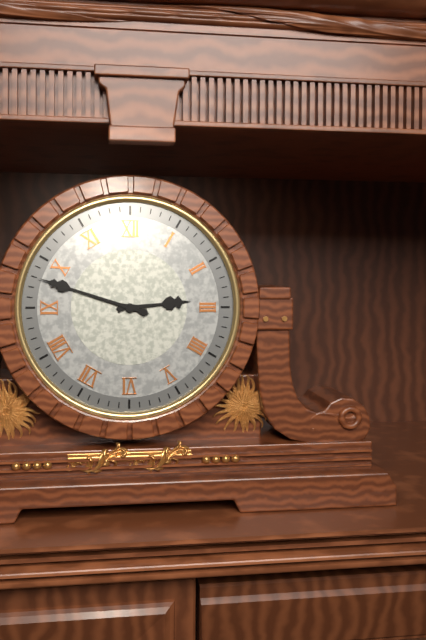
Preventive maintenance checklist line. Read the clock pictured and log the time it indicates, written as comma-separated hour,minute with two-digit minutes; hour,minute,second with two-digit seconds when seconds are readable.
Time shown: 2,48
